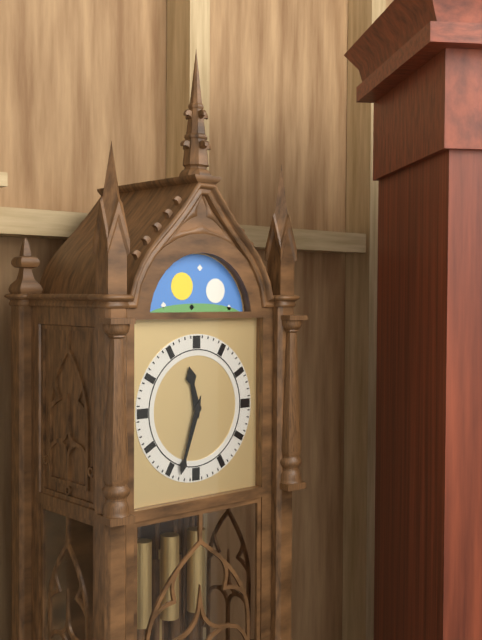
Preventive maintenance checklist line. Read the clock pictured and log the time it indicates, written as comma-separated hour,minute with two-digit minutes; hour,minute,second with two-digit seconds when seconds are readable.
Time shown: 11,33
